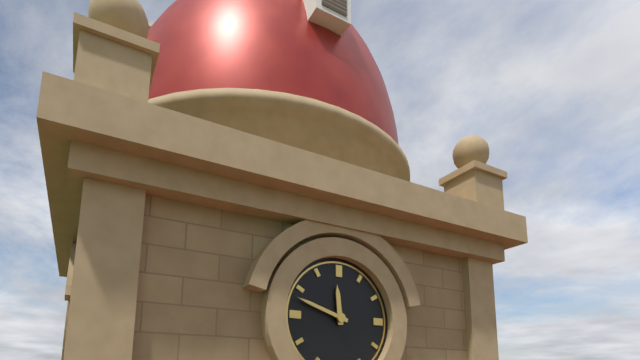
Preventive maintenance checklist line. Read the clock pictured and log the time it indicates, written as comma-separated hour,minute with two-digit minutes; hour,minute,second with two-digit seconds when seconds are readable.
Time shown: 11,48
